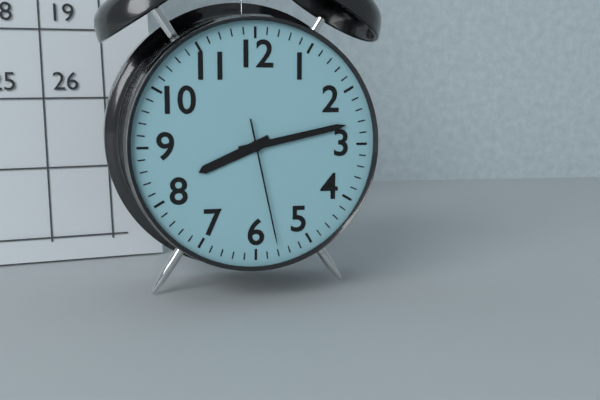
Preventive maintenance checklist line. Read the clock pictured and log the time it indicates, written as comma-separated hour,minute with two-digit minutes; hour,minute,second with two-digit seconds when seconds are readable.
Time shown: 8,13,28
